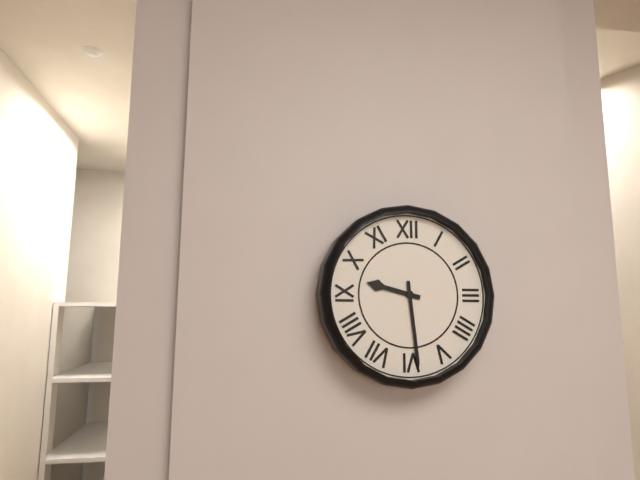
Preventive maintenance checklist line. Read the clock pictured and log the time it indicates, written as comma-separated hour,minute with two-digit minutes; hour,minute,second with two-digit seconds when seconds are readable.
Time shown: 9,29
